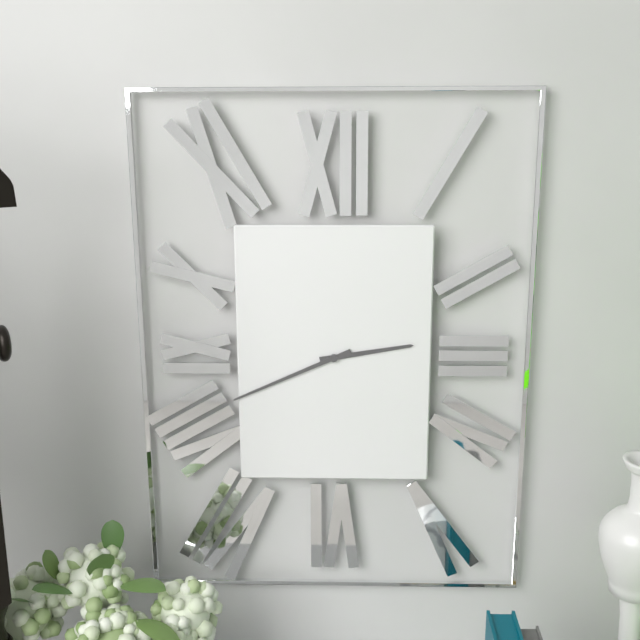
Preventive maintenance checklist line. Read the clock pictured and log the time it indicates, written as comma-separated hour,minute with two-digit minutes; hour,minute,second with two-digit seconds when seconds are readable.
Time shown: 2,41
